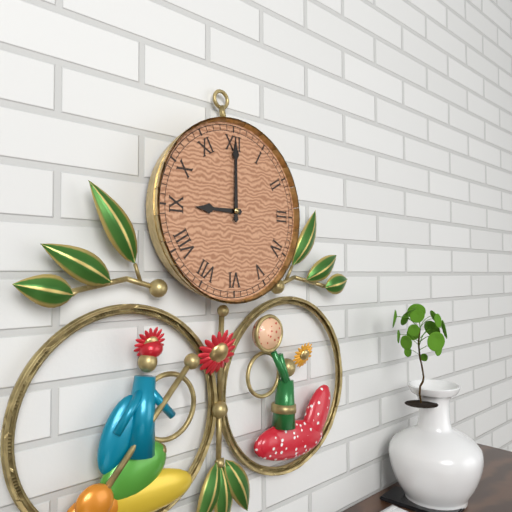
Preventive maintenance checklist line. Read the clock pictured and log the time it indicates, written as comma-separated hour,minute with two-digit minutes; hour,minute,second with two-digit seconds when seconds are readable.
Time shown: 9,00
